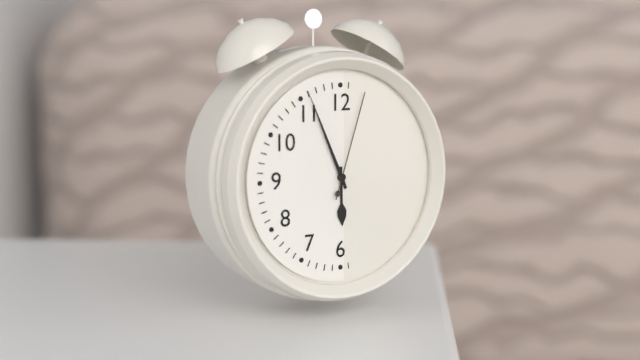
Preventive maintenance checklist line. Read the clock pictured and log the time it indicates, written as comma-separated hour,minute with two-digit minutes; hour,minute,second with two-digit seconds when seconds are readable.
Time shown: 5,56,03
